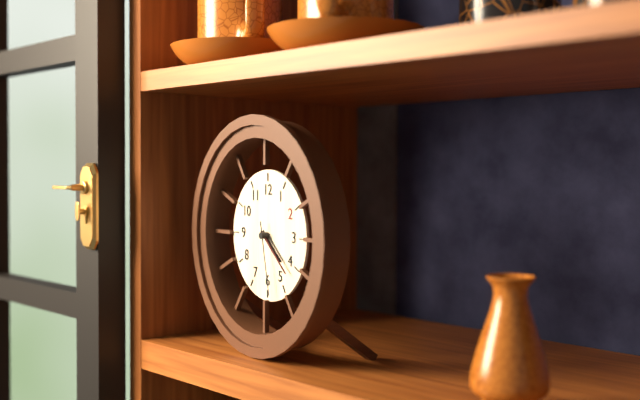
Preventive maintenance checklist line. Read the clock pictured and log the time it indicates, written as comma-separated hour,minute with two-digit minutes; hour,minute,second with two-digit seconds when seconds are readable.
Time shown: 4,22,28
